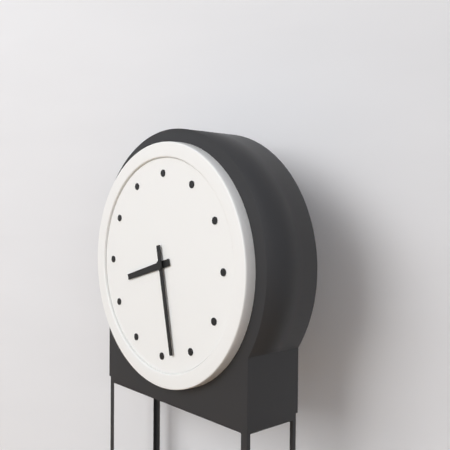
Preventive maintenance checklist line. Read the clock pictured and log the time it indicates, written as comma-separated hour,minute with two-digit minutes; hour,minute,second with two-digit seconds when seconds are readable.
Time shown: 8,28
